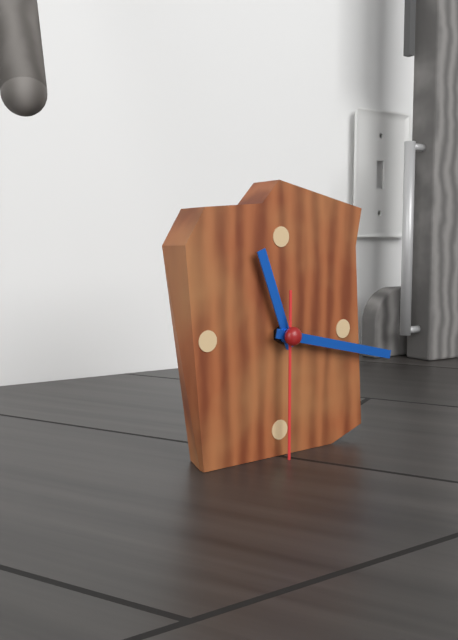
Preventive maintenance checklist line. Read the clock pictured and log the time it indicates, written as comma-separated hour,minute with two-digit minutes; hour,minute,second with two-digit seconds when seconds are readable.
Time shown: 11,17,30
